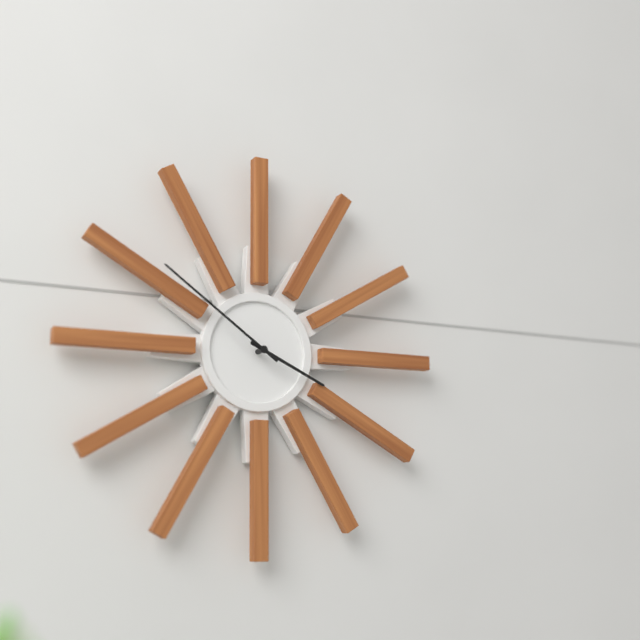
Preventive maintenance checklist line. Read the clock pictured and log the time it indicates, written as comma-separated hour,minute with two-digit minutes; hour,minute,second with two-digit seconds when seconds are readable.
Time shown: 3,51
